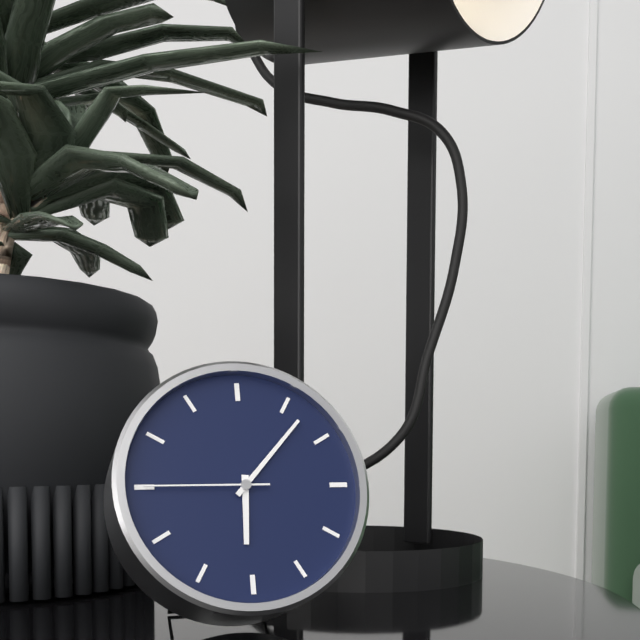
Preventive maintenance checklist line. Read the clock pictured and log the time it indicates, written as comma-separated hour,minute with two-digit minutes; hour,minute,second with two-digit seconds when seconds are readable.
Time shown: 6,07,45
